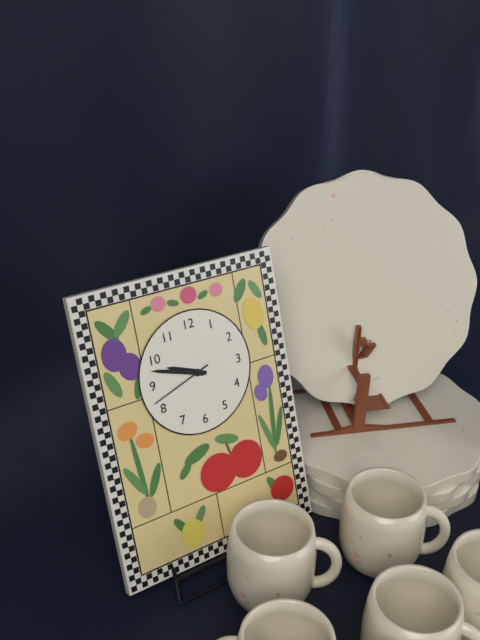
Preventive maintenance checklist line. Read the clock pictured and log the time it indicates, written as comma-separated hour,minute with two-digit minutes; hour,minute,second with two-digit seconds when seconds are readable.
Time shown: 9,48,42
